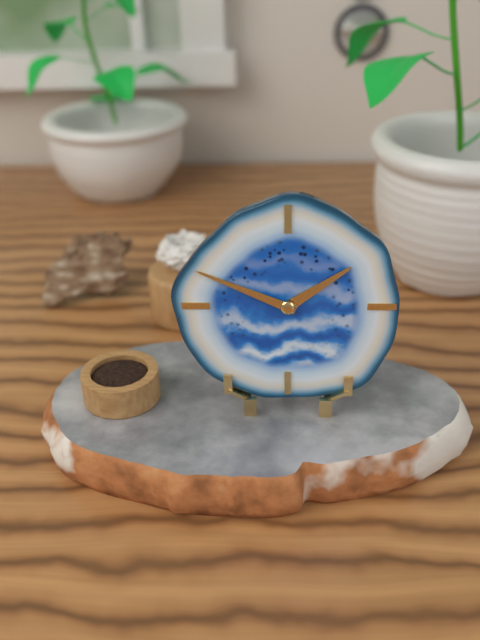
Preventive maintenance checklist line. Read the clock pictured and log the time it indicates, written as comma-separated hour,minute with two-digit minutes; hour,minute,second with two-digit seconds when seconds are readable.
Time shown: 1,49
